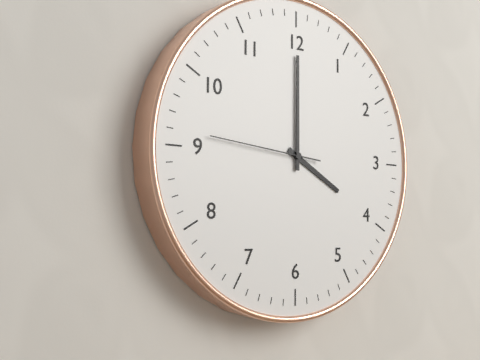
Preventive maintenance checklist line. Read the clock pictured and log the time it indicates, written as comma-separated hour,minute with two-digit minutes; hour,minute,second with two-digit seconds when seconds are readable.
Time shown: 4,00,46
